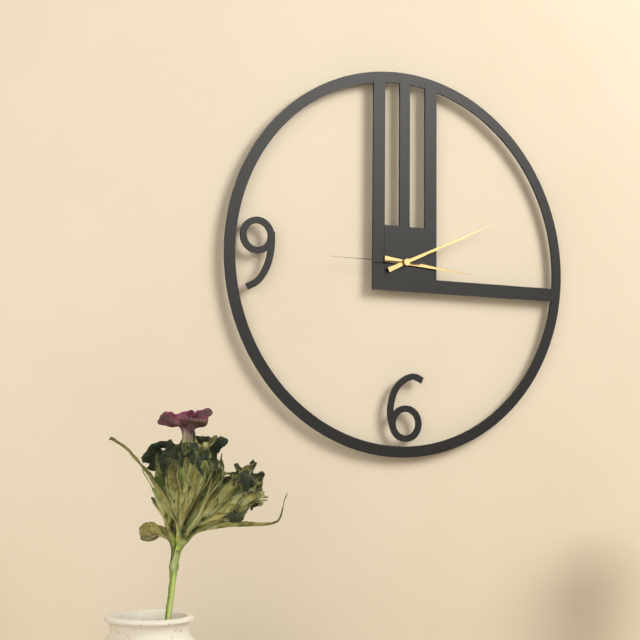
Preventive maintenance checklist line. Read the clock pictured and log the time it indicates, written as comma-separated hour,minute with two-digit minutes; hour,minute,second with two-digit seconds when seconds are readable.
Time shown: 3,11,45
